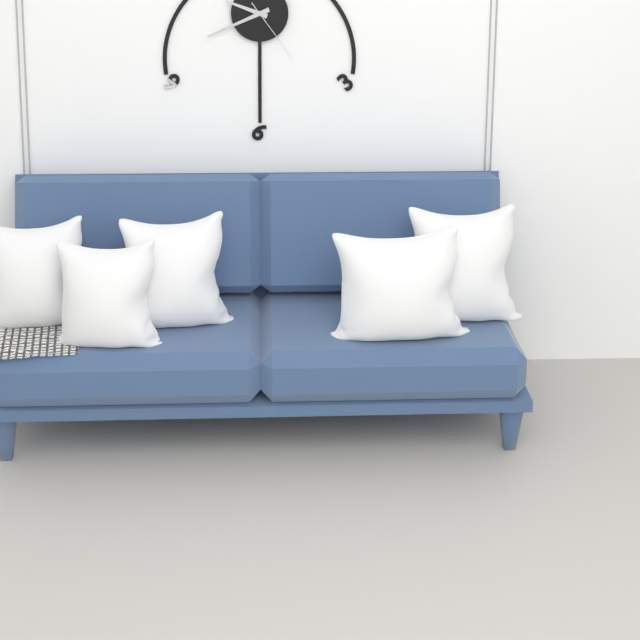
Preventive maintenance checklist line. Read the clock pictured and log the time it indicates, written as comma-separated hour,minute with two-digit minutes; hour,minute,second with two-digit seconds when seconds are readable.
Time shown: 9,41,24
